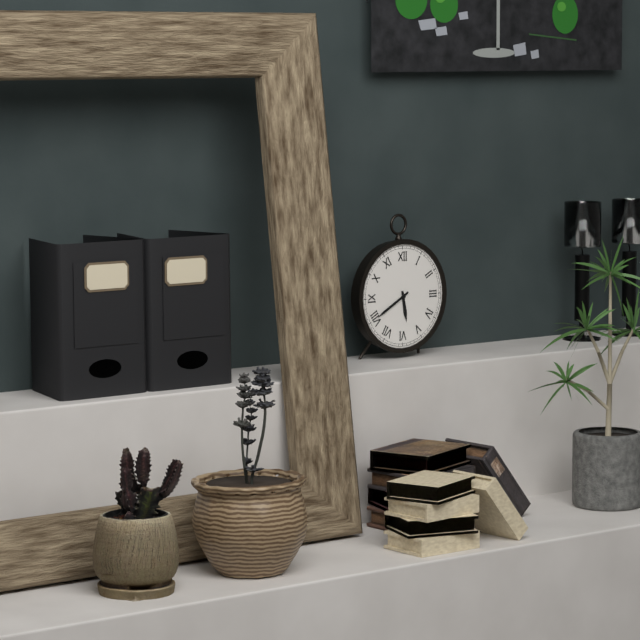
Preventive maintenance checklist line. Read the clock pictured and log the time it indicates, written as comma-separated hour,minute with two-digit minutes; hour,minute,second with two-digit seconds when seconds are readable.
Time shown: 5,40
